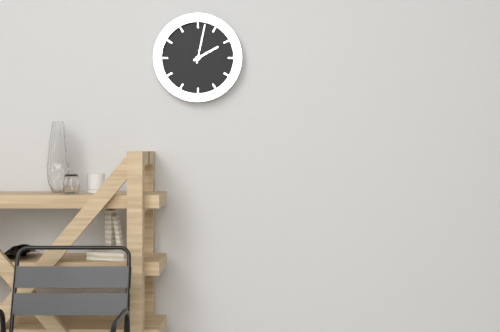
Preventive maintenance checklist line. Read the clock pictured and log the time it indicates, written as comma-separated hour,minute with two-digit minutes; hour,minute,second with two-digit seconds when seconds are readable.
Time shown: 2,02
